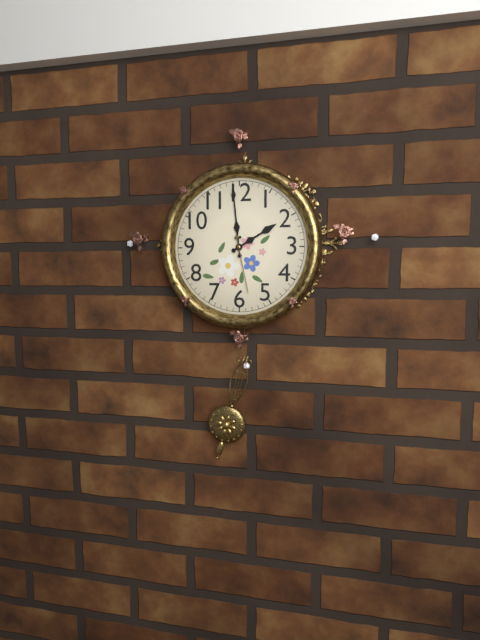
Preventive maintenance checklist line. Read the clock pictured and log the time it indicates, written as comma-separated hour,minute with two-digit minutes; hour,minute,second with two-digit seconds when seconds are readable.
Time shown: 1,59,28
